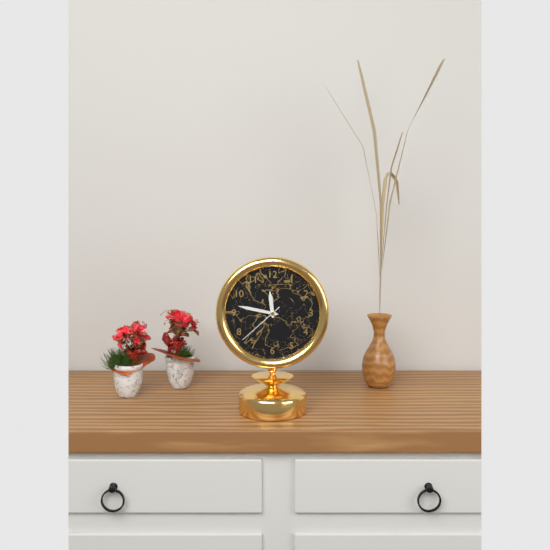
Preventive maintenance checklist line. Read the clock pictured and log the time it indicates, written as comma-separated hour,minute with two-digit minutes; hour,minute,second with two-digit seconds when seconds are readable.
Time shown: 11,47,38
